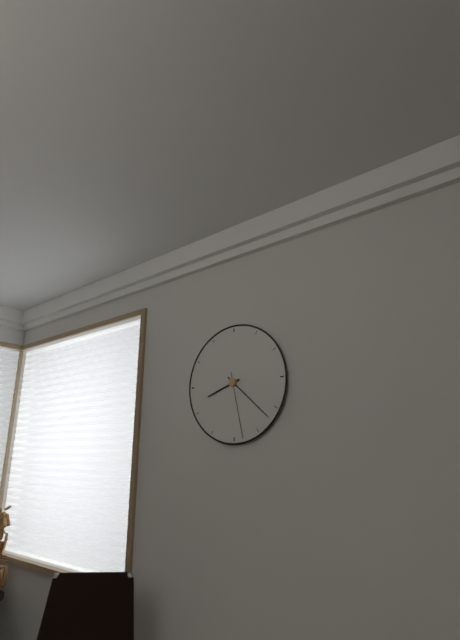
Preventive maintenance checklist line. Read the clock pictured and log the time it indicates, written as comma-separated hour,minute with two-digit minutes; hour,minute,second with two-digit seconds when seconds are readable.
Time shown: 8,22,28
